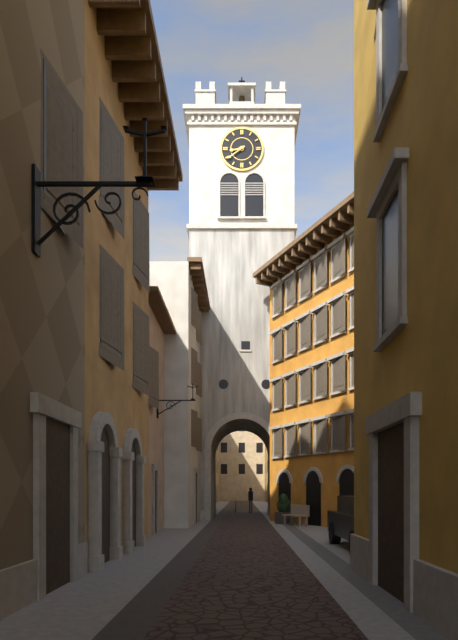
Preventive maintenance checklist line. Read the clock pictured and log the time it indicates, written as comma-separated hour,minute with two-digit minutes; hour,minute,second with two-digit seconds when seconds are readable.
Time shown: 8,39
